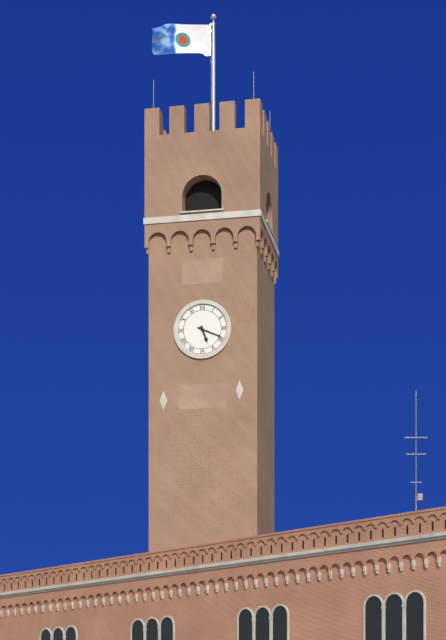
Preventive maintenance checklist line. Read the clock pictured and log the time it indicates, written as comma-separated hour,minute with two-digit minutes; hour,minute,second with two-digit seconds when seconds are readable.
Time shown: 5,19
